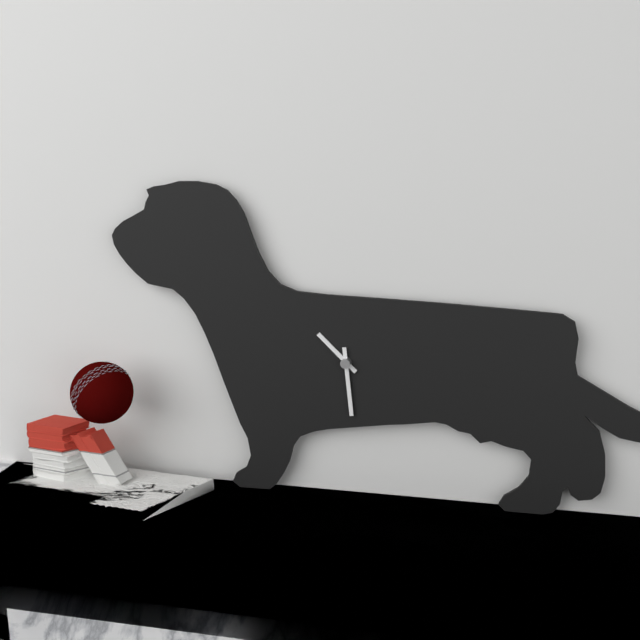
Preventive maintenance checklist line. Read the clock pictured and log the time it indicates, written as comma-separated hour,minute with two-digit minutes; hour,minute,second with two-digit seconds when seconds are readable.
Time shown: 10,29
